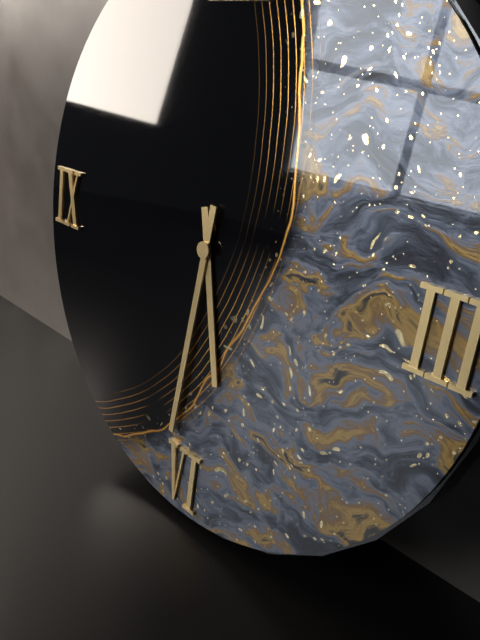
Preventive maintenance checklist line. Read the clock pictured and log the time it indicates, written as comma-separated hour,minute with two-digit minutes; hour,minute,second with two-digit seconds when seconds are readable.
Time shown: 5,31
